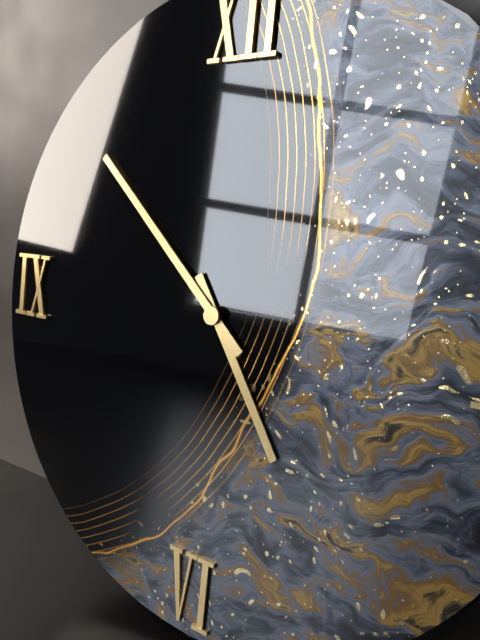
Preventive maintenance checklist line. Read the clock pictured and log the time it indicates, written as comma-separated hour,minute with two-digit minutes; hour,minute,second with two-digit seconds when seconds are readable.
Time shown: 4,52
